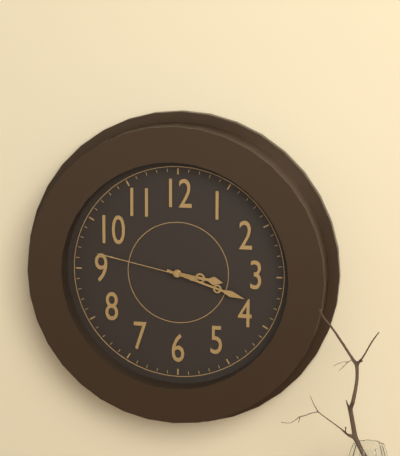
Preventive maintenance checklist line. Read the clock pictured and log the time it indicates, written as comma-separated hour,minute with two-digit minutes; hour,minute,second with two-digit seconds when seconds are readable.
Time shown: 3,18,47
